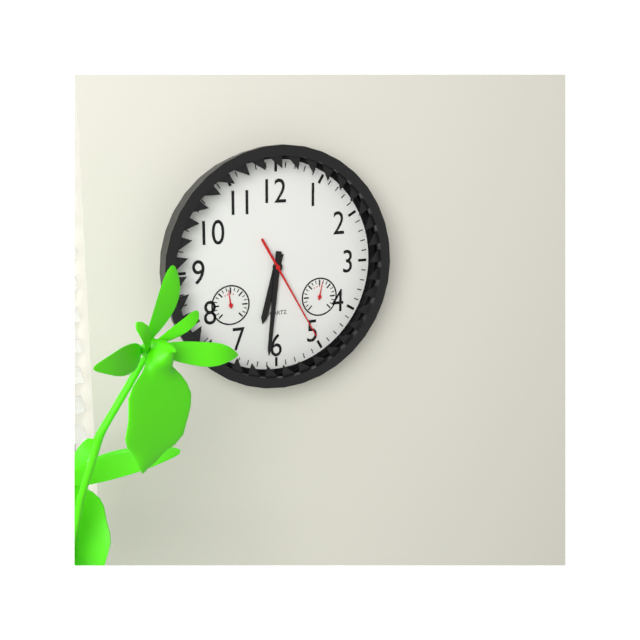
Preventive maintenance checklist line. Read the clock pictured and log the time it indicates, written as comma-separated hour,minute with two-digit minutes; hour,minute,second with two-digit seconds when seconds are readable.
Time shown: 6,31,25
